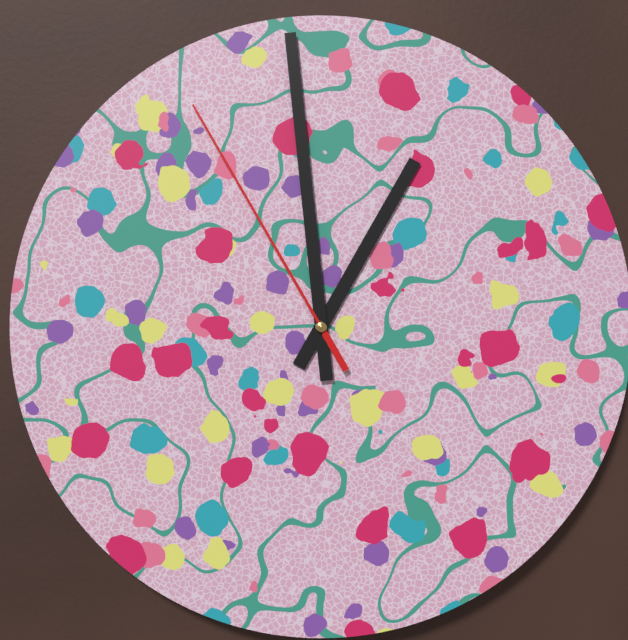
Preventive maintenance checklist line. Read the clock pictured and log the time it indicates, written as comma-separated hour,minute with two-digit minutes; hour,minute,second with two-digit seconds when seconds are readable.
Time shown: 12,59,55
